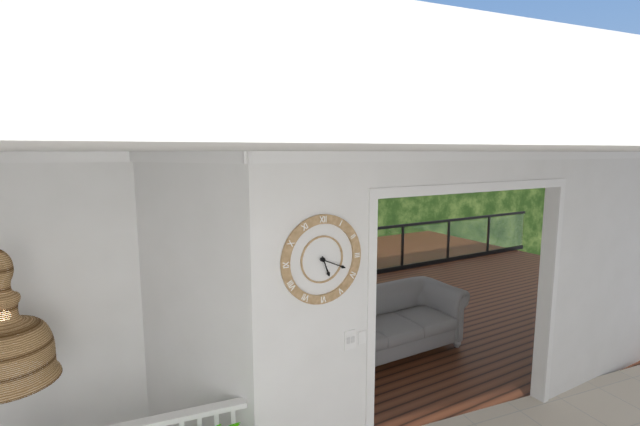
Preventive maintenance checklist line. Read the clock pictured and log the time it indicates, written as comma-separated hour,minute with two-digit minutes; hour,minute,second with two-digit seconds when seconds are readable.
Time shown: 5,19
